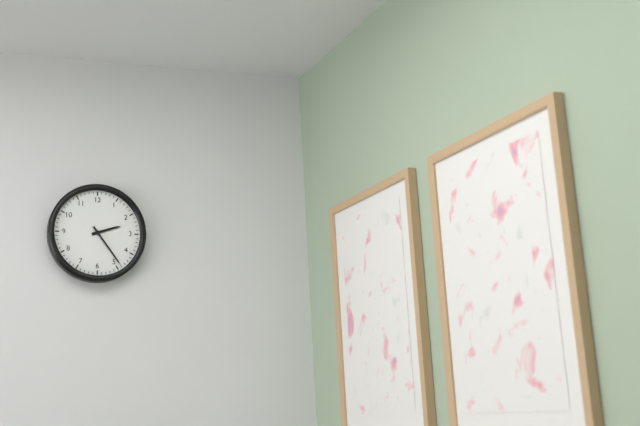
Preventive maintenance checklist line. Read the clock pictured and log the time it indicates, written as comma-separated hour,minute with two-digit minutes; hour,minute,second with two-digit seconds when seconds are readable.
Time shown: 2,24
